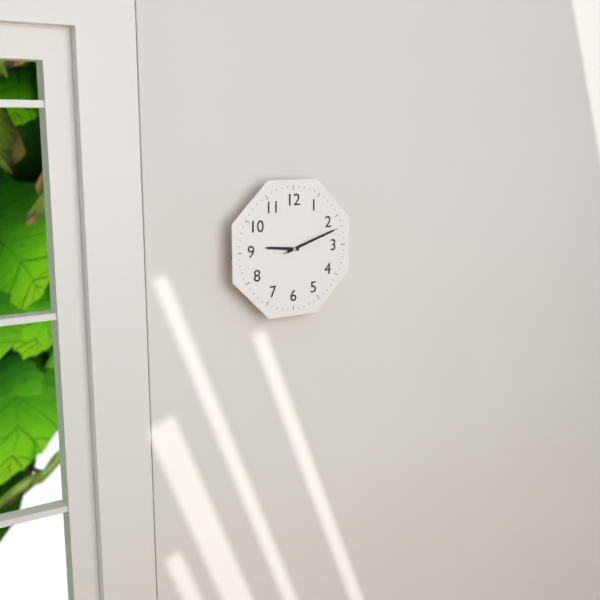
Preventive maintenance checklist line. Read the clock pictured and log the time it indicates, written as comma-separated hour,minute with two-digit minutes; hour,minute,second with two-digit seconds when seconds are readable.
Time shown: 9,12,12
